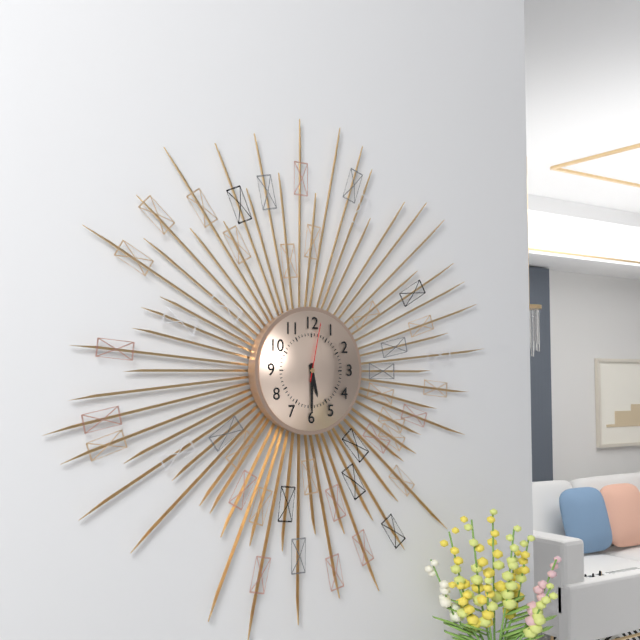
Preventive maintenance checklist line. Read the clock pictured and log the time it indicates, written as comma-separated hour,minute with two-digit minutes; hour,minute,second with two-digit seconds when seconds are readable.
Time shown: 5,30,02
